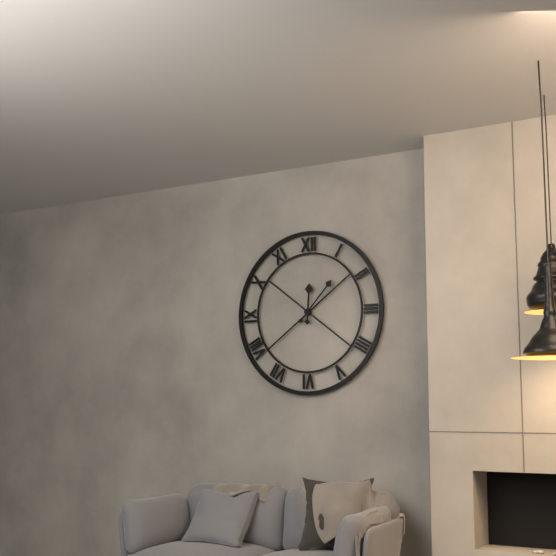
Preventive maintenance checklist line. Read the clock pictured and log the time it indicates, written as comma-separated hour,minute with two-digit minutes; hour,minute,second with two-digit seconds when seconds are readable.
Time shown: 12,07
